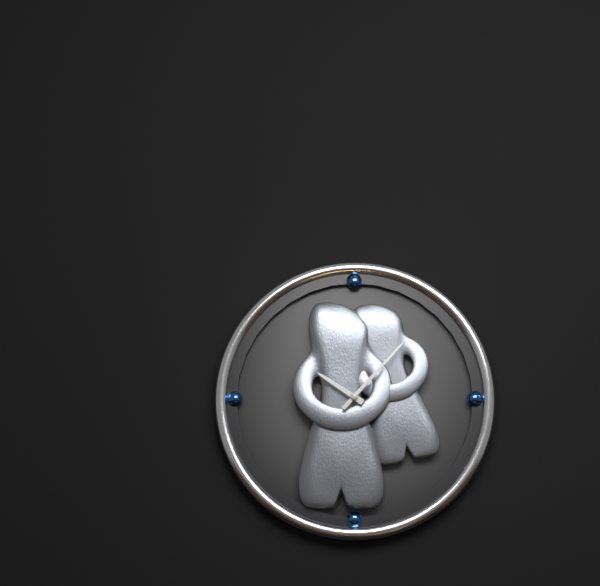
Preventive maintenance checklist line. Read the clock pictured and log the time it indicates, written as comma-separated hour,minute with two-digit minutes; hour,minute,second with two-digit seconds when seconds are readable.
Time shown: 10,07
